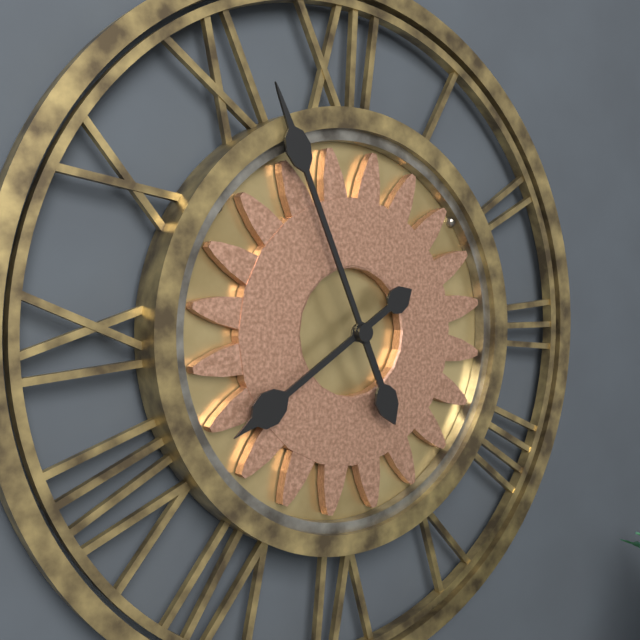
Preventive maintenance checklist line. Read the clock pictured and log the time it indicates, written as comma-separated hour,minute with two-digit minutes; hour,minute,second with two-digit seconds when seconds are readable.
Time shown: 7,56
